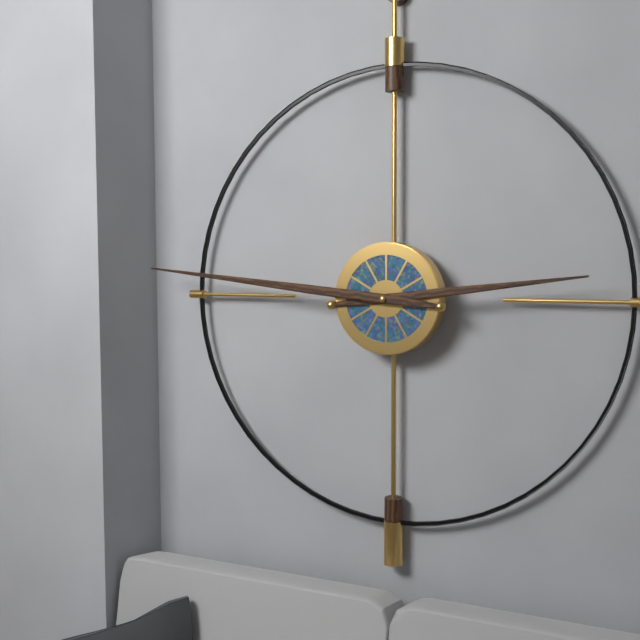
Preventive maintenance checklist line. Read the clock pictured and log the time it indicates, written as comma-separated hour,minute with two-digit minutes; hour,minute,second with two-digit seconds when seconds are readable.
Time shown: 2,46
